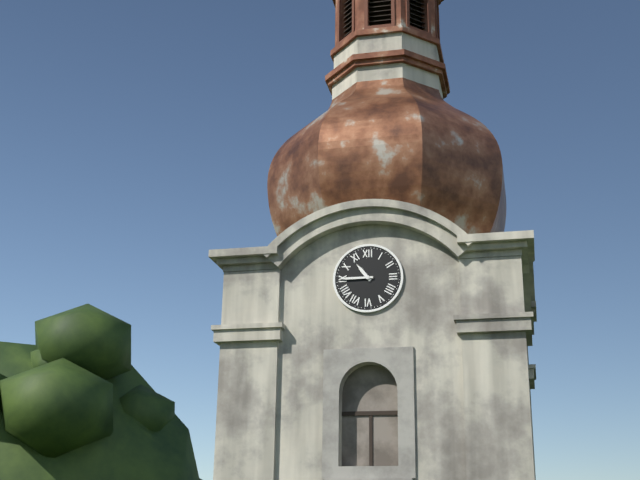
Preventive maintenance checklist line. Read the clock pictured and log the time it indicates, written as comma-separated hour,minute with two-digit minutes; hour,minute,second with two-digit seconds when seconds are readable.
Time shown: 10,45
